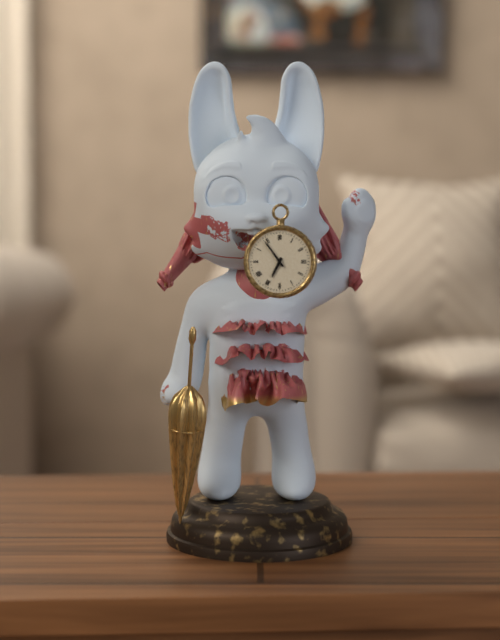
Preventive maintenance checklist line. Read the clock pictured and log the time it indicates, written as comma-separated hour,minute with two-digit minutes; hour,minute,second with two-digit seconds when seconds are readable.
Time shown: 6,54
